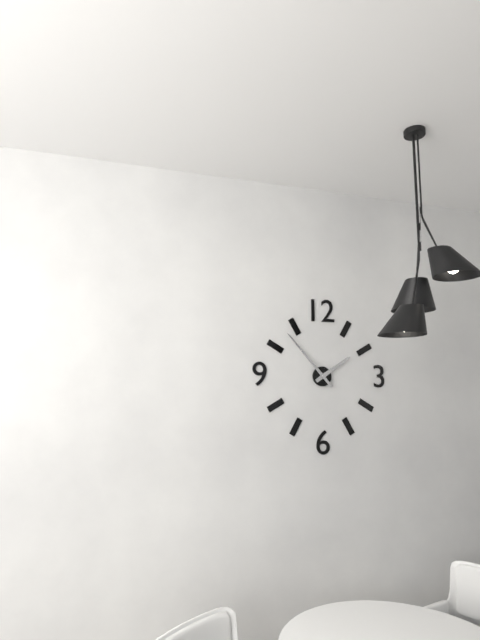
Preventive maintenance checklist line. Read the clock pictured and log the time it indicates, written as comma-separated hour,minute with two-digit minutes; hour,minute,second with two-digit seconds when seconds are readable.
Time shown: 1,53
